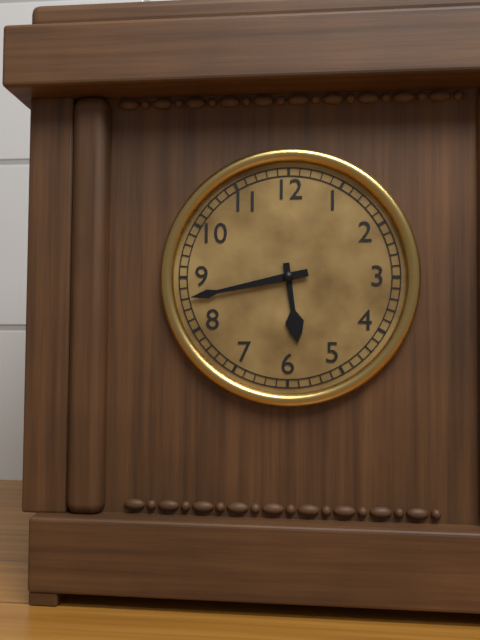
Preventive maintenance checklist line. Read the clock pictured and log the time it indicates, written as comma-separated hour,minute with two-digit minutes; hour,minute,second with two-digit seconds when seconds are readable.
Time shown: 5,43
